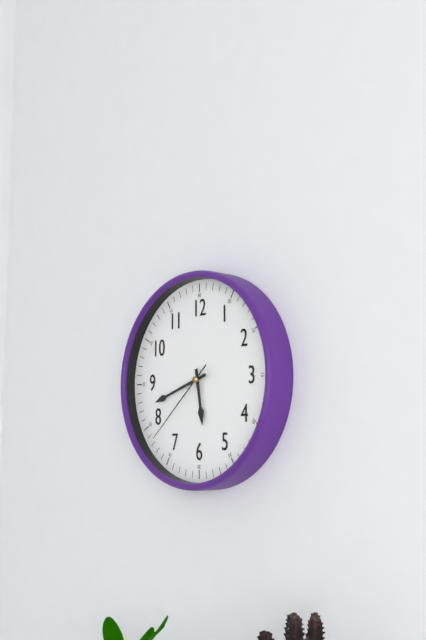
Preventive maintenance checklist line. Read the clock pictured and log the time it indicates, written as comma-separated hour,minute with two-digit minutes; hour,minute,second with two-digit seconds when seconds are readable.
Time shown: 5,42,38
